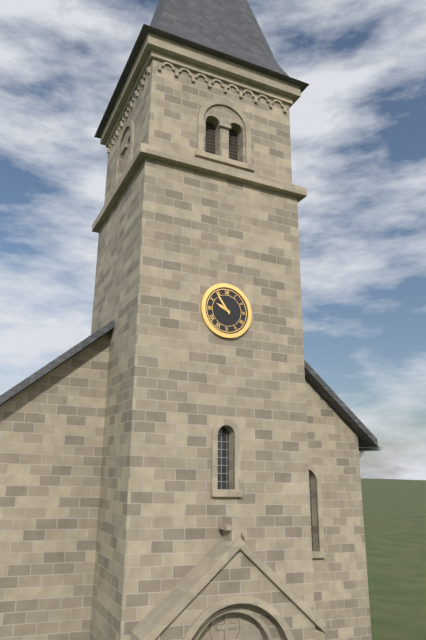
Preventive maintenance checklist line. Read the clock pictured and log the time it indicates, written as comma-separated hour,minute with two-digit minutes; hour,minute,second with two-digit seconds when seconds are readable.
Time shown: 9,54
